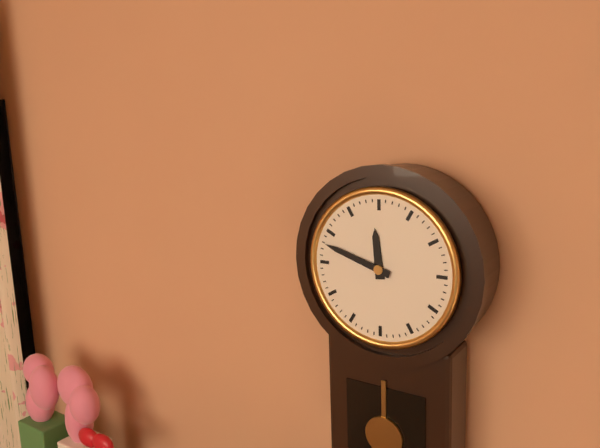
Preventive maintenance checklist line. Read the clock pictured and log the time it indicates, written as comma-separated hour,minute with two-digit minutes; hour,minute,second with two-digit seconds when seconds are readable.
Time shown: 11,48
